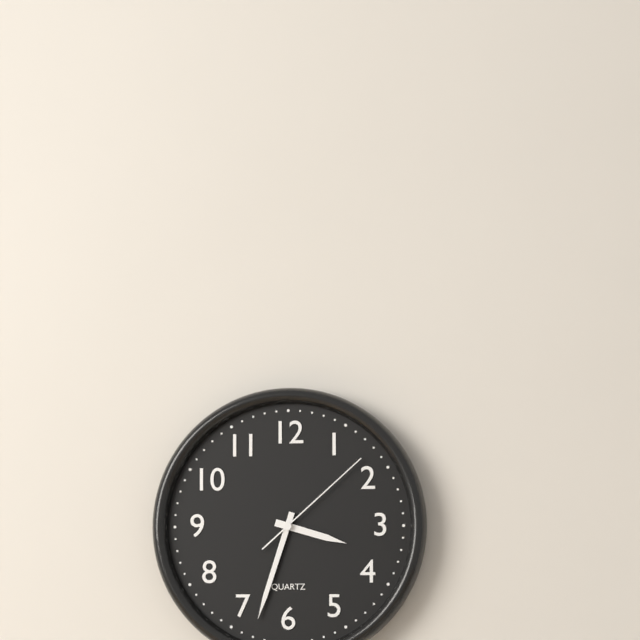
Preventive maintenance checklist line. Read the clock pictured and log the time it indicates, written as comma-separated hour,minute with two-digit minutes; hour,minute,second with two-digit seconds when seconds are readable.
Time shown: 3,33,08
